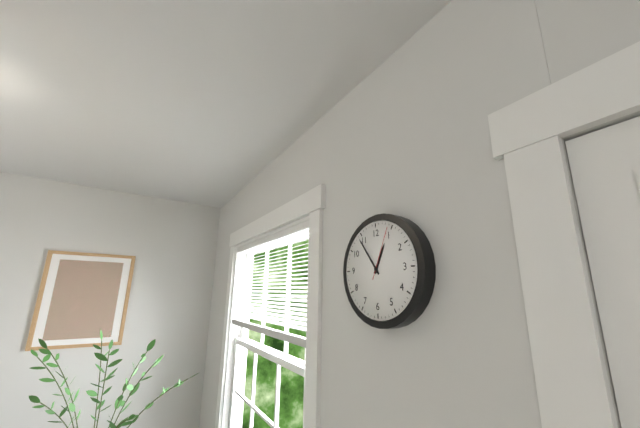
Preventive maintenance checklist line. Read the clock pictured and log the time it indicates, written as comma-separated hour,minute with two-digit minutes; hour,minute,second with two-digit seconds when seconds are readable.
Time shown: 12,54,04
